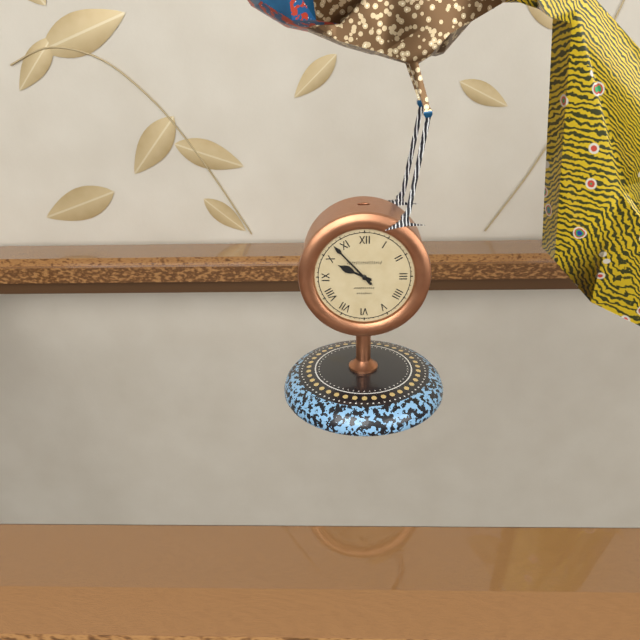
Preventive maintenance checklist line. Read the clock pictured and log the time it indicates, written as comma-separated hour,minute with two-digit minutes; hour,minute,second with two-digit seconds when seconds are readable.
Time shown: 9,53
